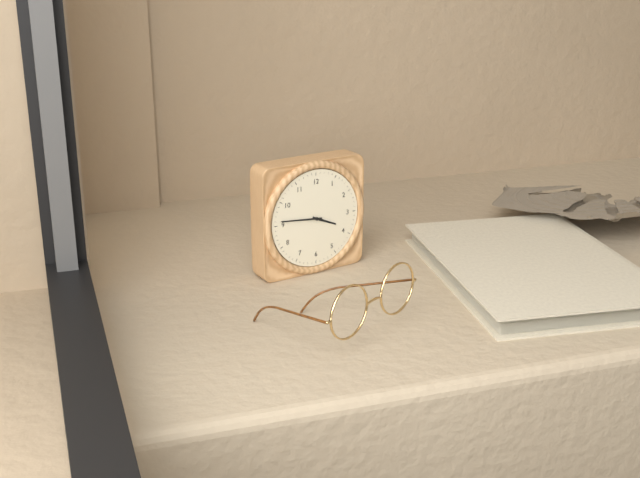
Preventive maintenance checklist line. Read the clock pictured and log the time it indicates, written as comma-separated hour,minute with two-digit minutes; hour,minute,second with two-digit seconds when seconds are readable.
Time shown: 3,46
